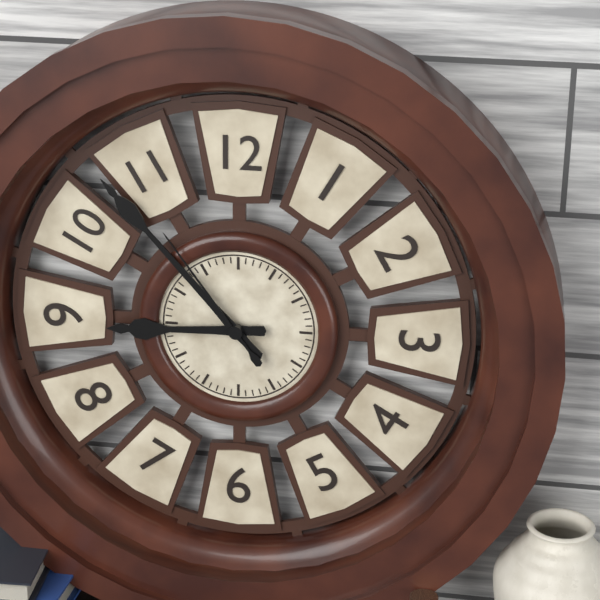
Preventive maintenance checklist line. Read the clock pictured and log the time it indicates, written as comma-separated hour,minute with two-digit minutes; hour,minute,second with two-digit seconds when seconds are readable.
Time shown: 8,53,54
